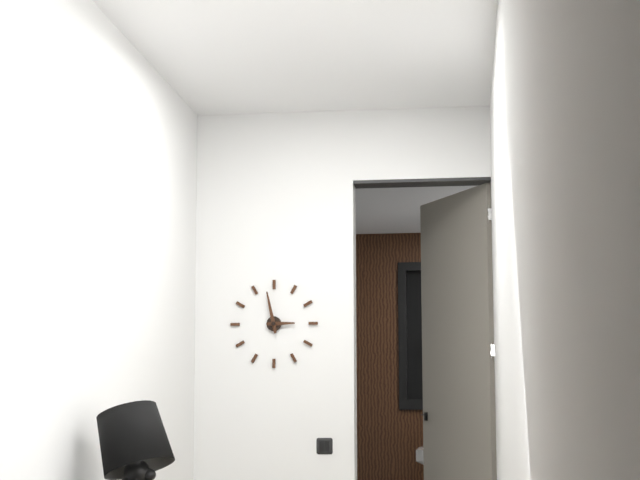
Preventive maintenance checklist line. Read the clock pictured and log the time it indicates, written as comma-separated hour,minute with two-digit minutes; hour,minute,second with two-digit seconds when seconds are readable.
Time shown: 2,58
